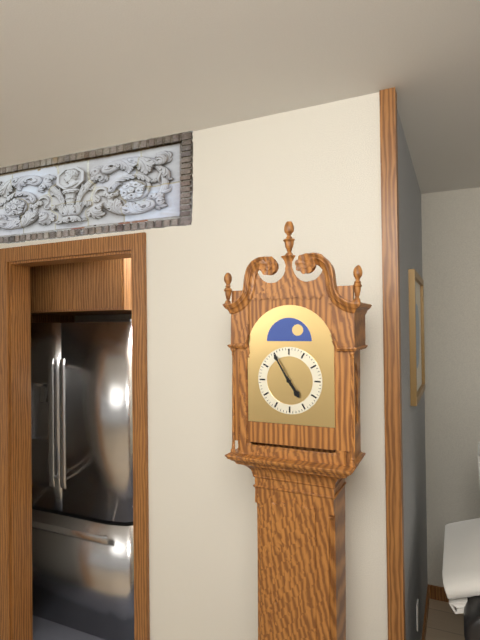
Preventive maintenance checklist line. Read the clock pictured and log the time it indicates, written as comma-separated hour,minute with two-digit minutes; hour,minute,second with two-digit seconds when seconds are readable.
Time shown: 4,55
